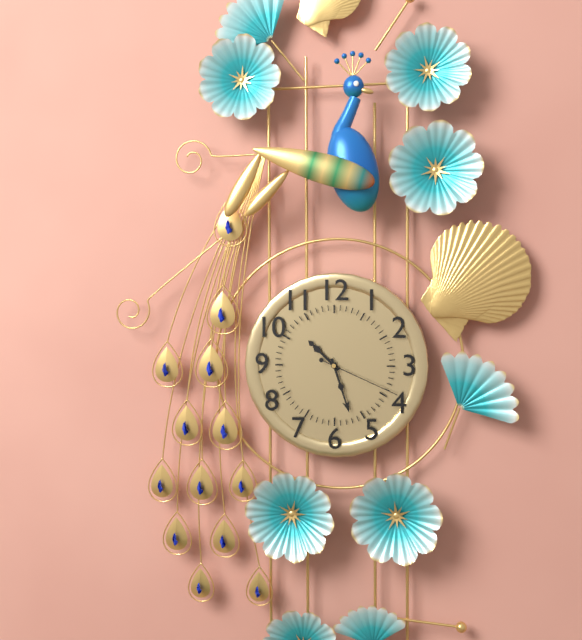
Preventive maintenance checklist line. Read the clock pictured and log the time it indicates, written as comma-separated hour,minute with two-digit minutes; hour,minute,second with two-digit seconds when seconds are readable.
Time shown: 10,27,19
